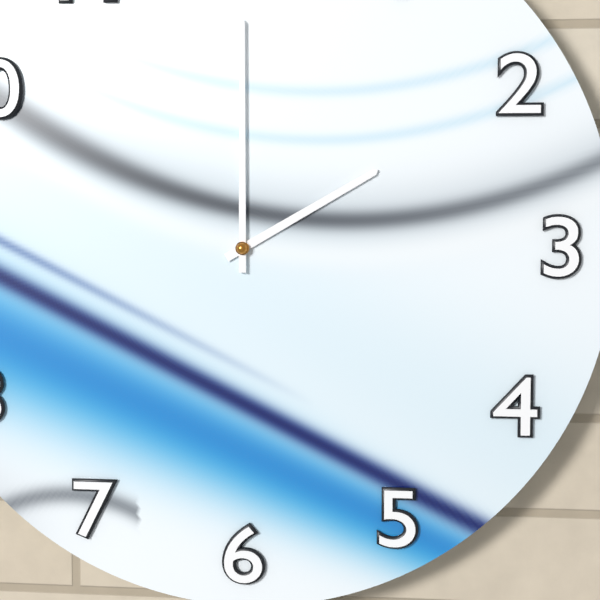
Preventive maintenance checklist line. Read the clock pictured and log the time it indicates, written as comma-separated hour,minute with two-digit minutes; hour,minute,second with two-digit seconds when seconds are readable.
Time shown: 2,00
